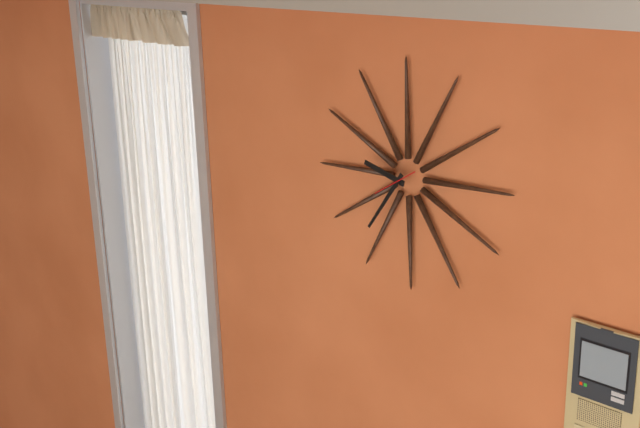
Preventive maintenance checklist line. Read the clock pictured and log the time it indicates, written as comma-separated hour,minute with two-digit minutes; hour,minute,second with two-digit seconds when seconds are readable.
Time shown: 9,36
